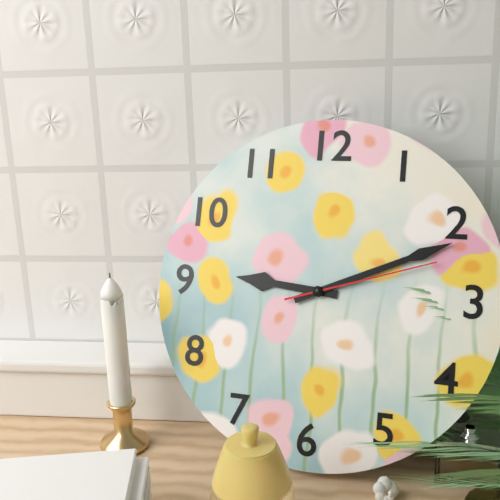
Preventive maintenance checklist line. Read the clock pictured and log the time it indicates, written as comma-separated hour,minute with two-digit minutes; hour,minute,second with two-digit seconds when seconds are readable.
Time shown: 9,11,12
